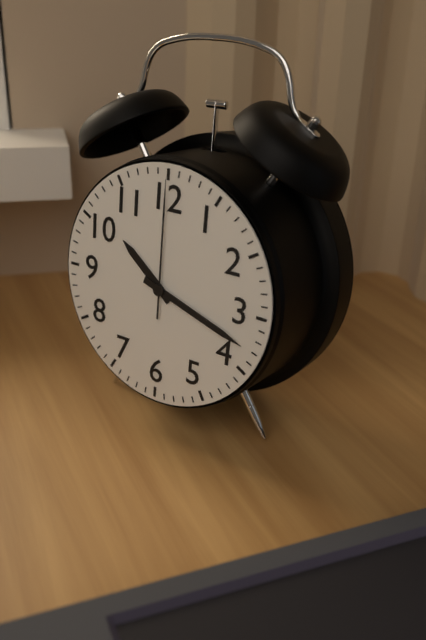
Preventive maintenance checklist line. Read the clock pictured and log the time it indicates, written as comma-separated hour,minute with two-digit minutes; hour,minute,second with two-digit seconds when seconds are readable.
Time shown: 10,18,00
